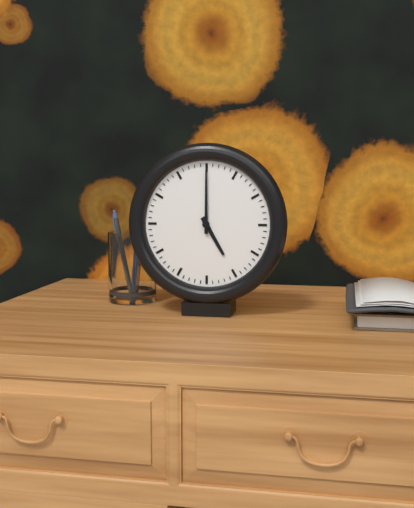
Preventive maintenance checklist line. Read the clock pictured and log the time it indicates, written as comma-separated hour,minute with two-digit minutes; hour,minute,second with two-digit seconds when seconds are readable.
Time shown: 5,00
